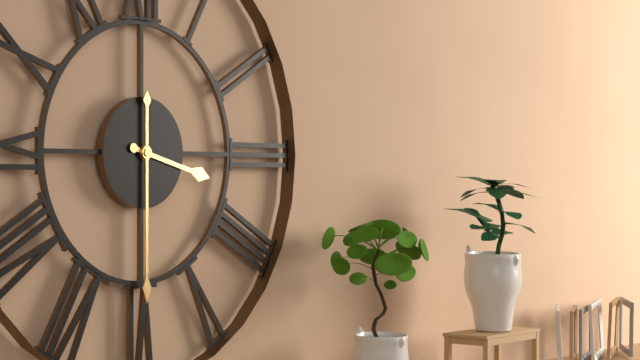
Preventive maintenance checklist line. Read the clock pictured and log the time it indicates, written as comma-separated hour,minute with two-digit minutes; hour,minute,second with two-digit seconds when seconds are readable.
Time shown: 3,30
